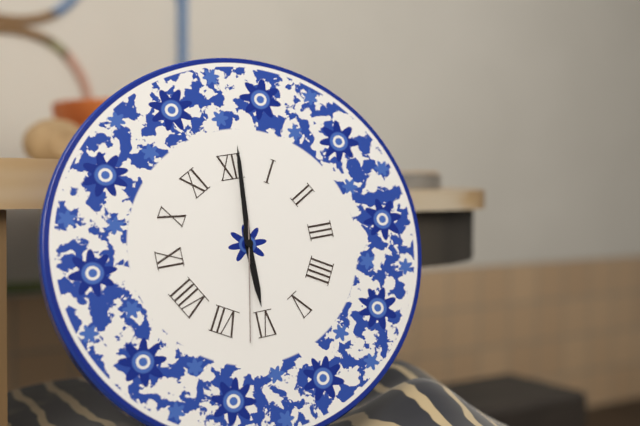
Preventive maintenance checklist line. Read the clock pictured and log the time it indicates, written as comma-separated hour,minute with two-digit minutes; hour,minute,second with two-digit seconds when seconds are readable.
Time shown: 6,01,32
